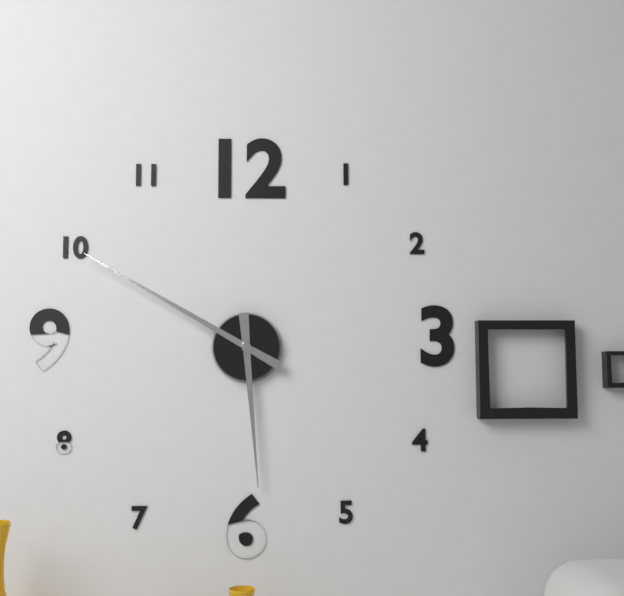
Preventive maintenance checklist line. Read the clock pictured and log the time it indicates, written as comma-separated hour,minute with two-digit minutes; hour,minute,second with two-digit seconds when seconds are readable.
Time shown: 5,50
